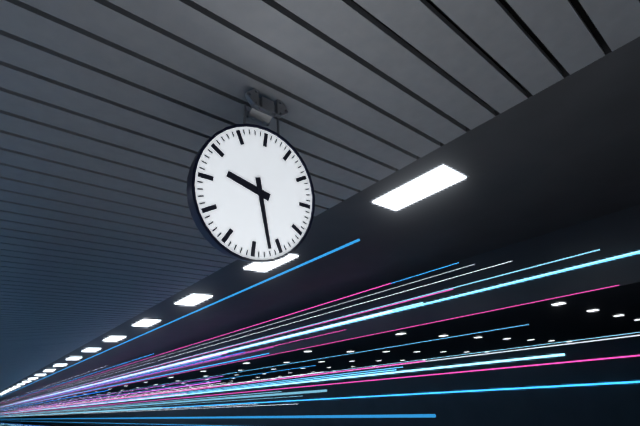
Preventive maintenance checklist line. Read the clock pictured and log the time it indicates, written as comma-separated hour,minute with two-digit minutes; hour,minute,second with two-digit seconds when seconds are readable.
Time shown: 9,27
